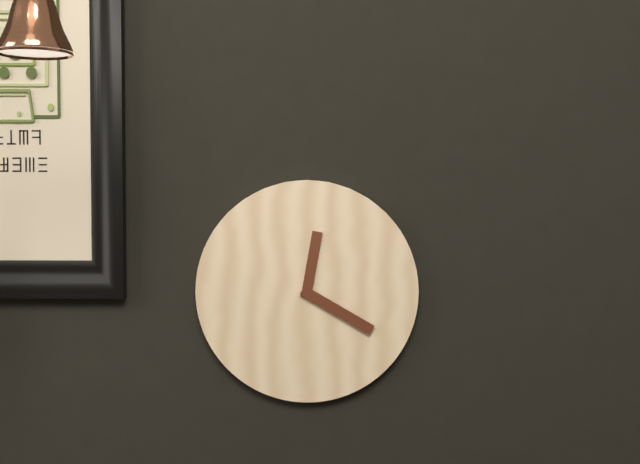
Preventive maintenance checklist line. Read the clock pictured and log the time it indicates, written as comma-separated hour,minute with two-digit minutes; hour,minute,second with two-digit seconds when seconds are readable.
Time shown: 12,20
